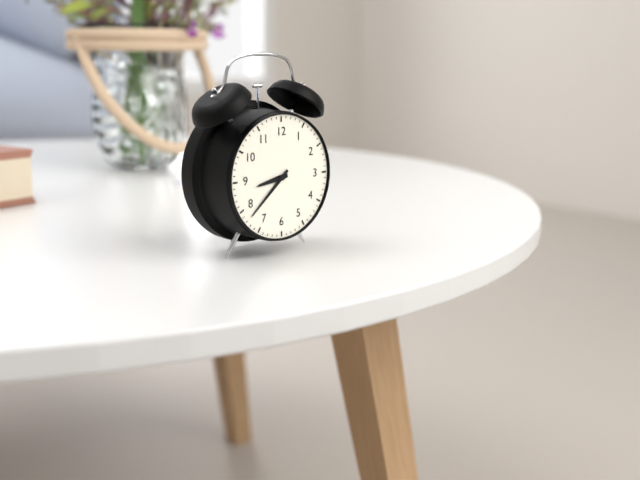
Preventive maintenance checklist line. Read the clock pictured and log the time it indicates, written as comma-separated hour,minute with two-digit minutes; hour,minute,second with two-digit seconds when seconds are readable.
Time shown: 8,38
